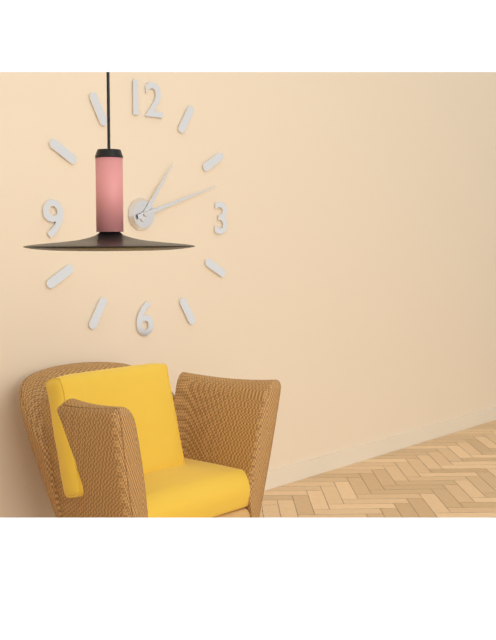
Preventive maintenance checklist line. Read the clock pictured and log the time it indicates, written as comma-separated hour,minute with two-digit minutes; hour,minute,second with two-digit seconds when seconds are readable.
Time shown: 1,12
